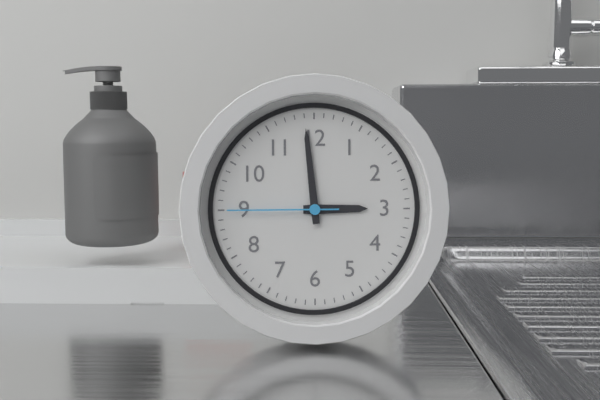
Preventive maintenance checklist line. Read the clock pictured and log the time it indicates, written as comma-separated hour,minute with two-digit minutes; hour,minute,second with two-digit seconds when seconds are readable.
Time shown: 2,59,45
